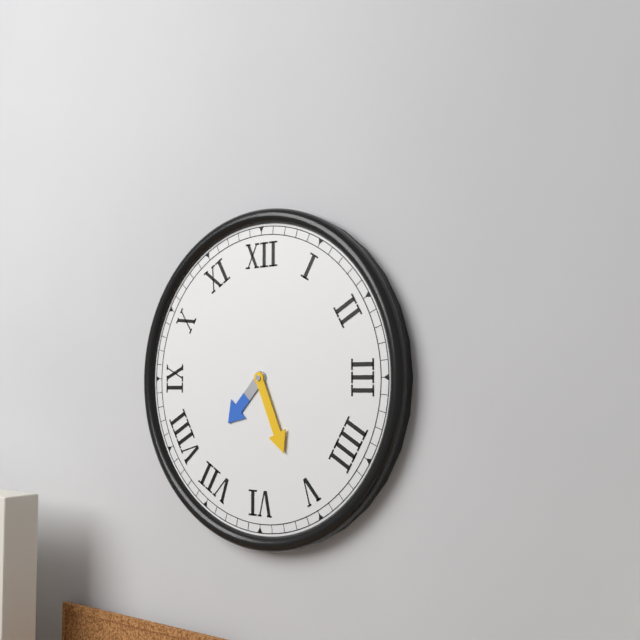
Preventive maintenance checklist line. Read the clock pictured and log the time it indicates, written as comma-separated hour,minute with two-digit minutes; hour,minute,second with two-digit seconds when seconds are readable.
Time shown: 7,26
